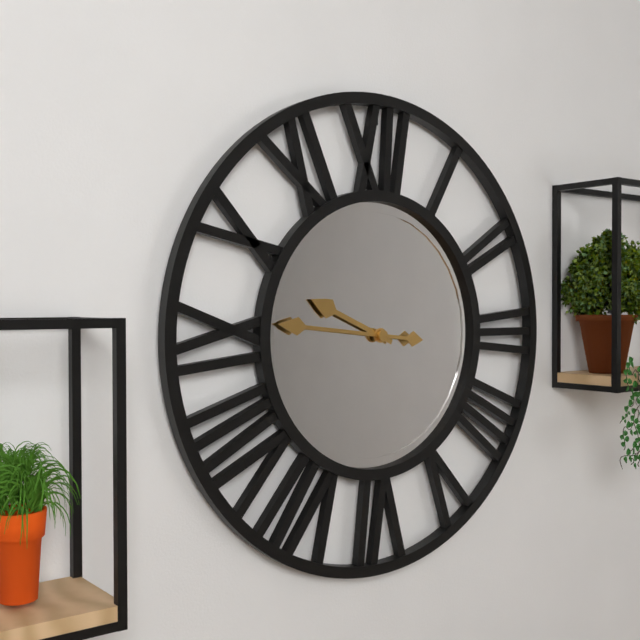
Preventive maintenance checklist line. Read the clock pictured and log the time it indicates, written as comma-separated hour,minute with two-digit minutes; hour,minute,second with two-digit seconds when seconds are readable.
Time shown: 9,46
